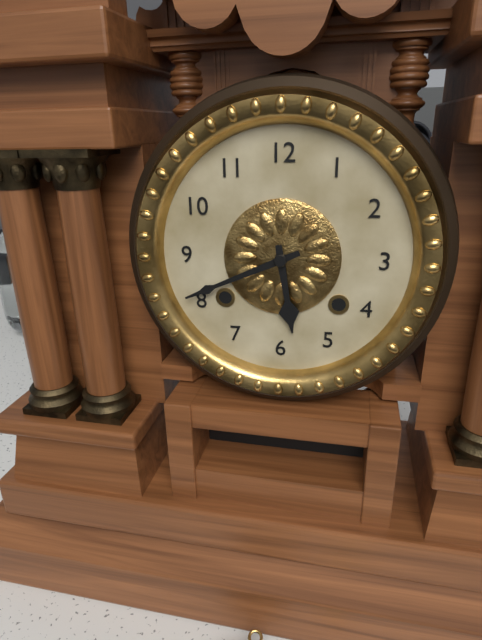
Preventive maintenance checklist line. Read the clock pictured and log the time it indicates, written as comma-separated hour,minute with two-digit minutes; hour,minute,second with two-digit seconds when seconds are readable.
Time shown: 5,41
